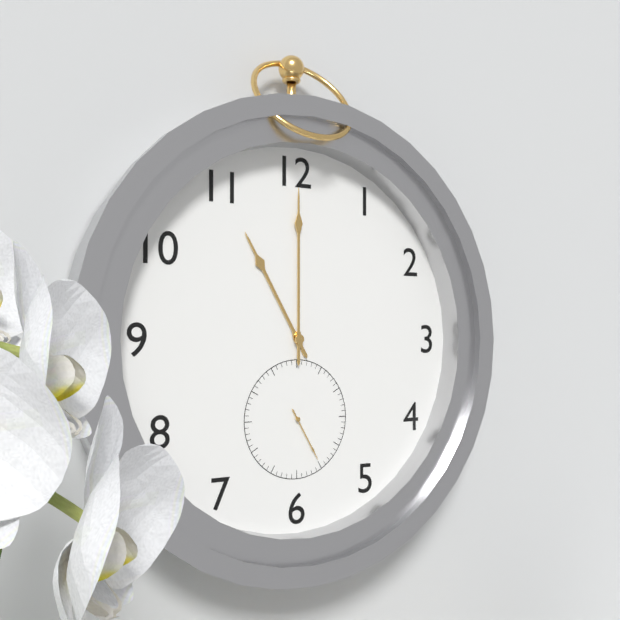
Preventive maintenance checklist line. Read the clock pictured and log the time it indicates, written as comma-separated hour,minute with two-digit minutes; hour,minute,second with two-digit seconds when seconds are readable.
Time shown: 11,00,25
